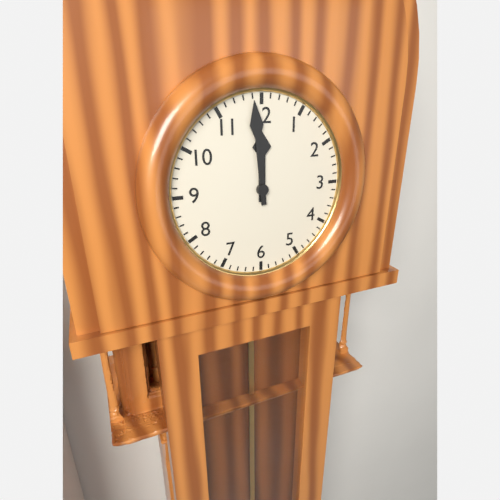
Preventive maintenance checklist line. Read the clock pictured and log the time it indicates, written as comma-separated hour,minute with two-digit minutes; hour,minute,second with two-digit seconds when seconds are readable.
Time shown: 11,59
